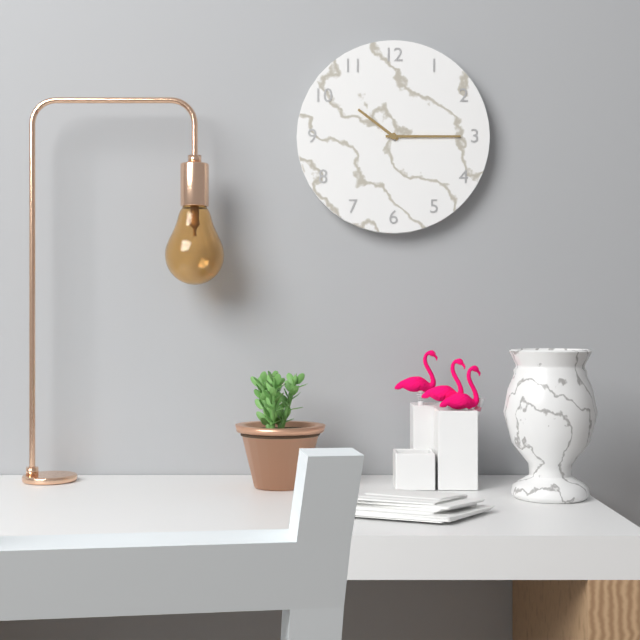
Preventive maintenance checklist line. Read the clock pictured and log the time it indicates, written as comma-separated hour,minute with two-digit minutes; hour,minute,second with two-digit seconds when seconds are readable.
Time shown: 10,15
